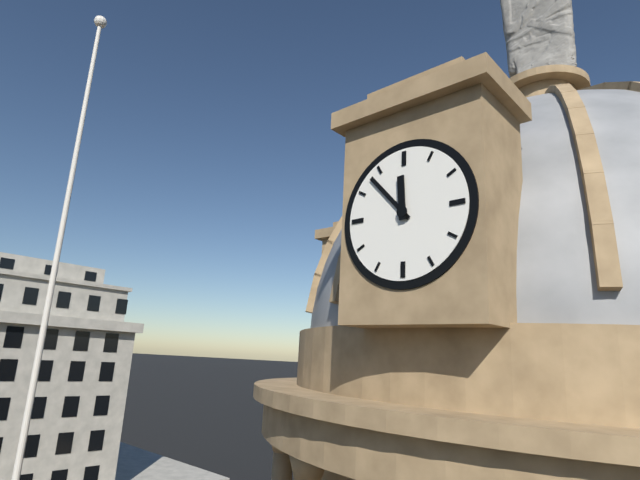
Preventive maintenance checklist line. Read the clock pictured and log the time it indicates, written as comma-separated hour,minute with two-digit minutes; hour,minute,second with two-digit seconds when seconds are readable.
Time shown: 11,53
